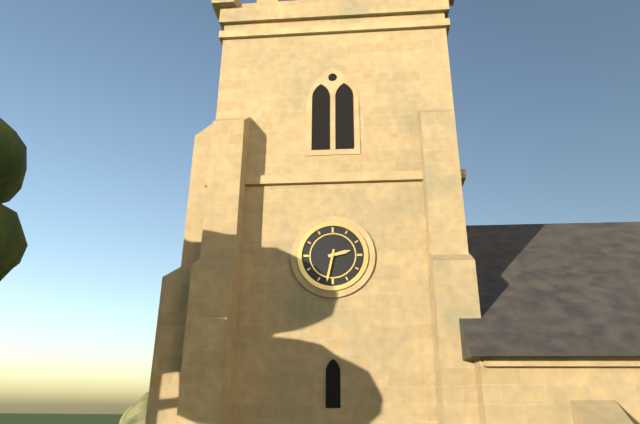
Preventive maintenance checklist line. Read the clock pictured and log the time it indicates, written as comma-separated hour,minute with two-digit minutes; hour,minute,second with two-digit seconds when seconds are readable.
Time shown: 2,32
